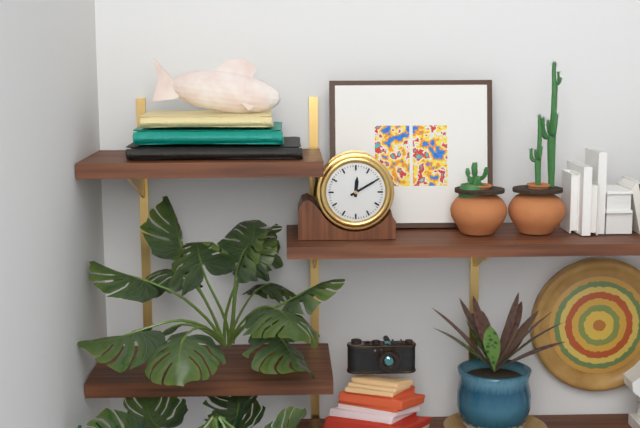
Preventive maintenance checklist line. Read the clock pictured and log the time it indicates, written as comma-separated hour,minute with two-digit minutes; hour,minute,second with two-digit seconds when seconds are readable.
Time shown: 12,10
